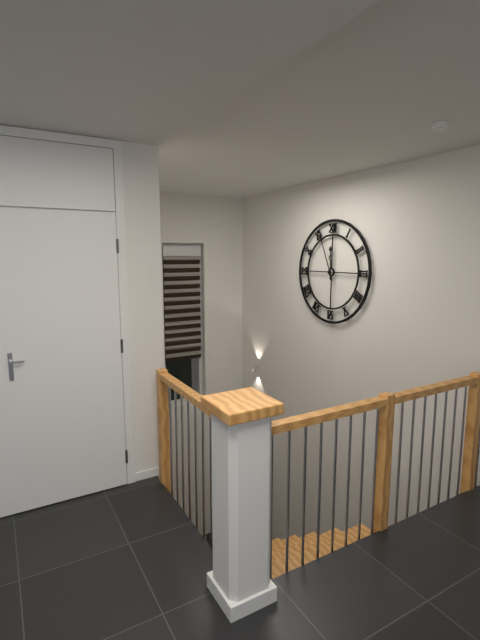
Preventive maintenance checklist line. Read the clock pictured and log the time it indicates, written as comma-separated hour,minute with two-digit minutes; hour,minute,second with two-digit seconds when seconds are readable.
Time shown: 11,56
